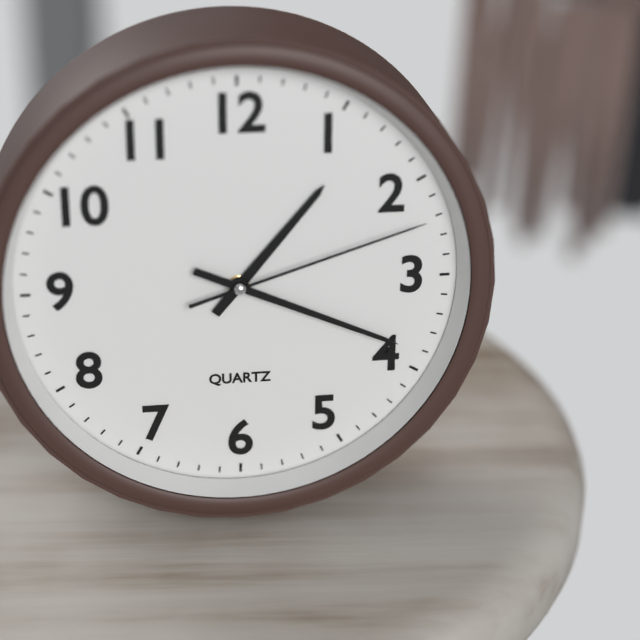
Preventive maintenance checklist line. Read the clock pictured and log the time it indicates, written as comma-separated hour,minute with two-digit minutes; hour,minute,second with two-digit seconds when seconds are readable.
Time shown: 1,19,12
